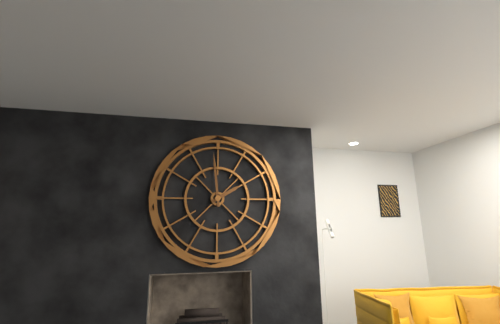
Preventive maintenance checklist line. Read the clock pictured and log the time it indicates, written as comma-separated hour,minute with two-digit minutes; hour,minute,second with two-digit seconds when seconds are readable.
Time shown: 1,59
